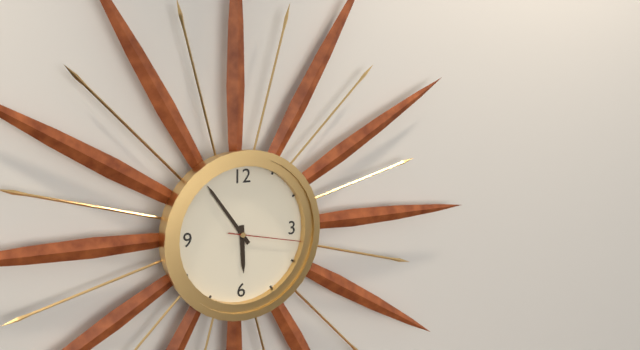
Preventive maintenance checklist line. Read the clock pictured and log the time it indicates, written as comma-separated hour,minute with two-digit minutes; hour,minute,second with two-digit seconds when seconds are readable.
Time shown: 5,54,17
